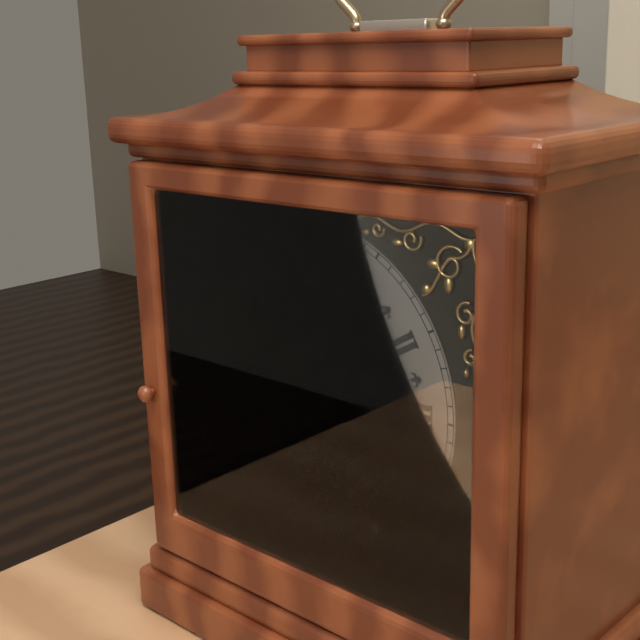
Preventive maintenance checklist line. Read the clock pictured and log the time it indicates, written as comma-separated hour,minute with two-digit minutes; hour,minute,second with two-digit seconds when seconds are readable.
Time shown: 6,45
